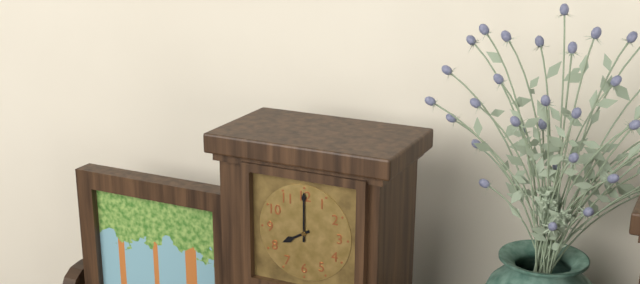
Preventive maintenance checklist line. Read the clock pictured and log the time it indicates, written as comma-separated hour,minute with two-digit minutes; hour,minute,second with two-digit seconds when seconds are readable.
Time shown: 8,00
